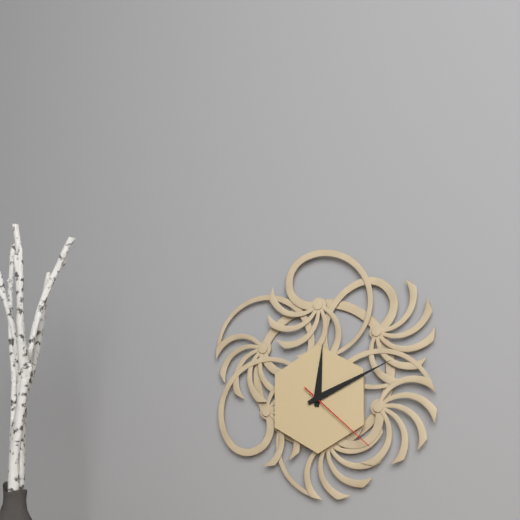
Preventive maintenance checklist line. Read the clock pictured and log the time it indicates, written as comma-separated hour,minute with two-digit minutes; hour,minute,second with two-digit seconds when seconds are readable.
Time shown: 12,11,22
